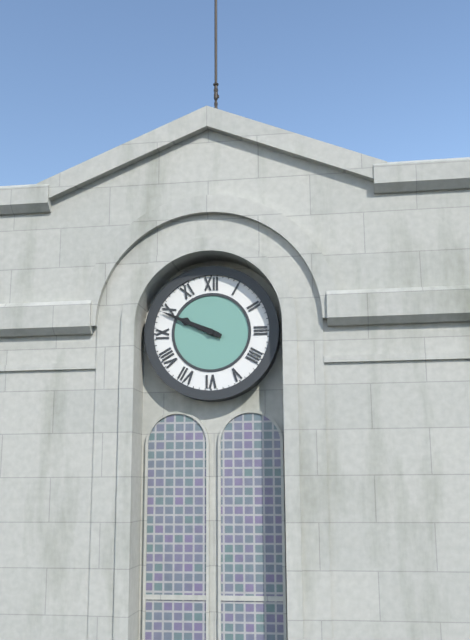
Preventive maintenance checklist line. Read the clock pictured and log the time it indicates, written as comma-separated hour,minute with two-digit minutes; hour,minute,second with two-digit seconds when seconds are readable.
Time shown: 9,49
